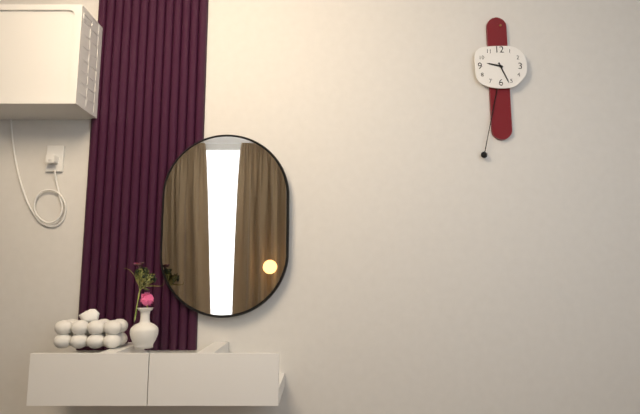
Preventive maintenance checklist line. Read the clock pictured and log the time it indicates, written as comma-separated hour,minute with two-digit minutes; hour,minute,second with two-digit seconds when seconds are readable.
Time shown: 9,26
